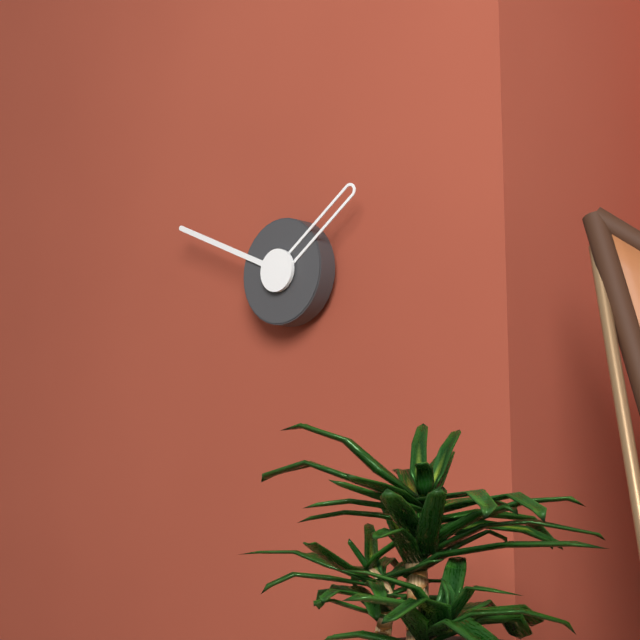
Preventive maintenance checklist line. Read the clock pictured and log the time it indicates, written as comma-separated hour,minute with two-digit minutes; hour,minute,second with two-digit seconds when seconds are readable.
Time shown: 1,49
